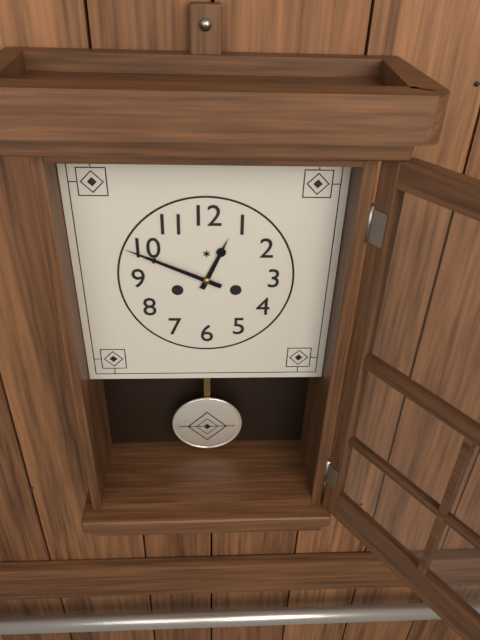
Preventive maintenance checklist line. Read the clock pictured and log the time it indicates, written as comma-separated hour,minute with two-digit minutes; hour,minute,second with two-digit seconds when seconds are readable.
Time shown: 12,49
